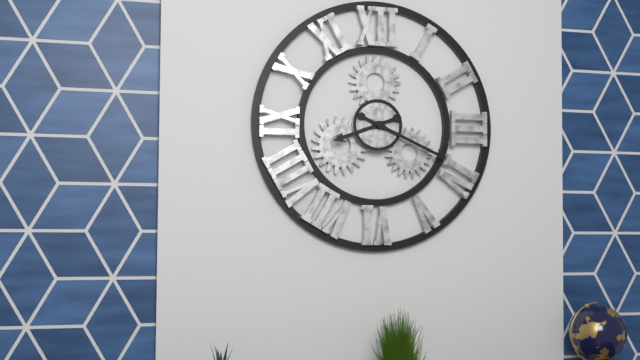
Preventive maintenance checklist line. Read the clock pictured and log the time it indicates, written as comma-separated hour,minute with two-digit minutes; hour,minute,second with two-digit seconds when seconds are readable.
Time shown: 8,19
